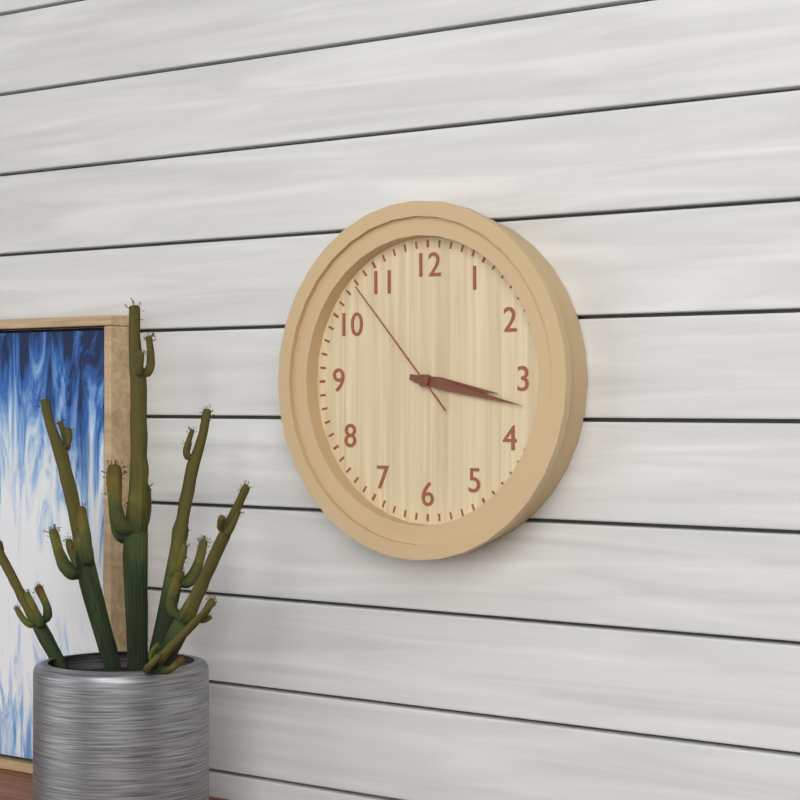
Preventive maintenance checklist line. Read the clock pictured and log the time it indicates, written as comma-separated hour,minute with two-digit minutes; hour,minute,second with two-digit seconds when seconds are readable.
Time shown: 3,17,53
